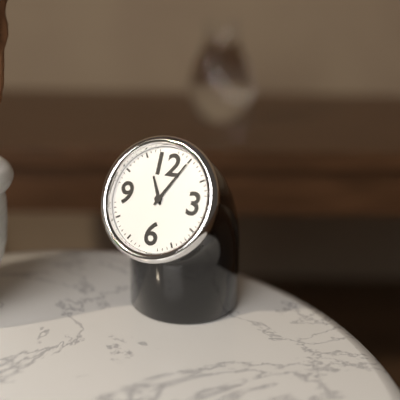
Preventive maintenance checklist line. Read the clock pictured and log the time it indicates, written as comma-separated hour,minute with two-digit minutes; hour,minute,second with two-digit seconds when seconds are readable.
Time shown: 11,05
